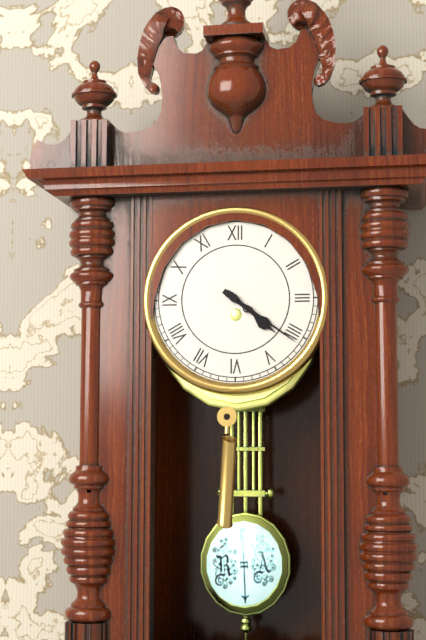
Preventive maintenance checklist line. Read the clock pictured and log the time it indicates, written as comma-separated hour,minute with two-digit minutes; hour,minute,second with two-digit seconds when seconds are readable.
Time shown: 4,21
